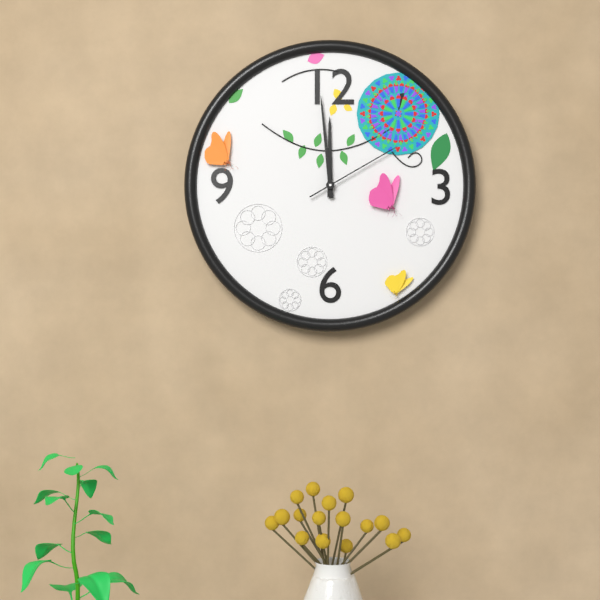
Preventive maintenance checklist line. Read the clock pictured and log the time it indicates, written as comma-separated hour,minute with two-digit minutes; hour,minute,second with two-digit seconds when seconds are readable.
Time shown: 11,59,10
